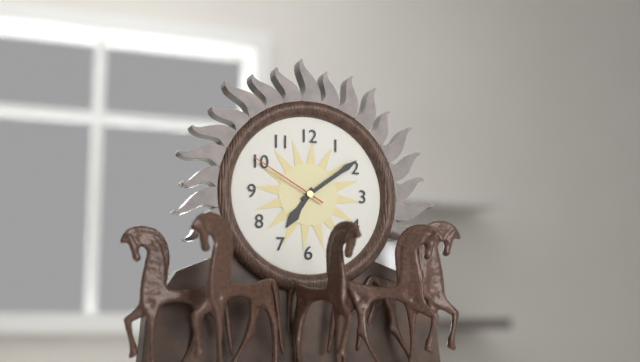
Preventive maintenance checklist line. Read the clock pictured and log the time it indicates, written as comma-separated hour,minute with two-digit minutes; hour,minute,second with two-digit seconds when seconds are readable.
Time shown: 7,09,50
